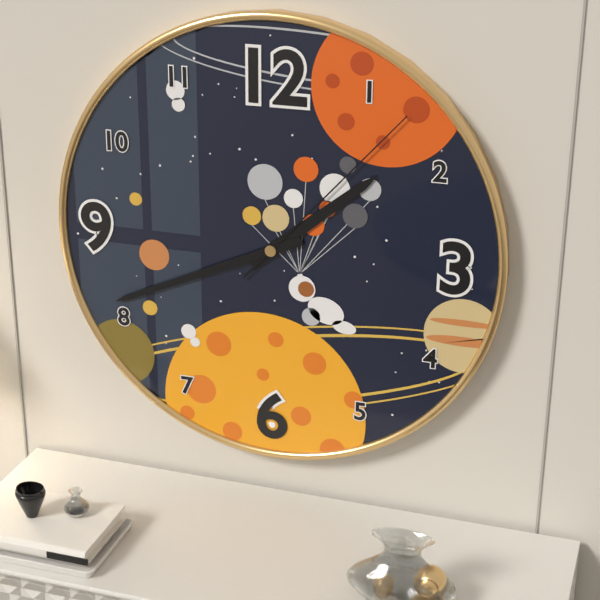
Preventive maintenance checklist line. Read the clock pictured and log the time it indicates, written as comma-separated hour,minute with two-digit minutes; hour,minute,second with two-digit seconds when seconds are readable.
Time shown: 1,41,07
